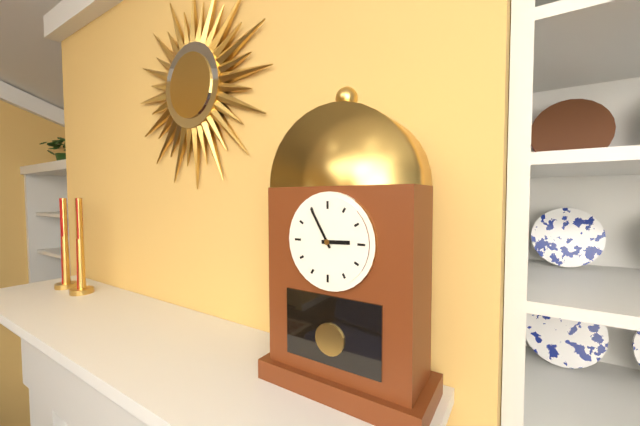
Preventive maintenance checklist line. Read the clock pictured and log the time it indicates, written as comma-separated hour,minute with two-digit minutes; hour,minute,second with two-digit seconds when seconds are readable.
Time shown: 2,55
